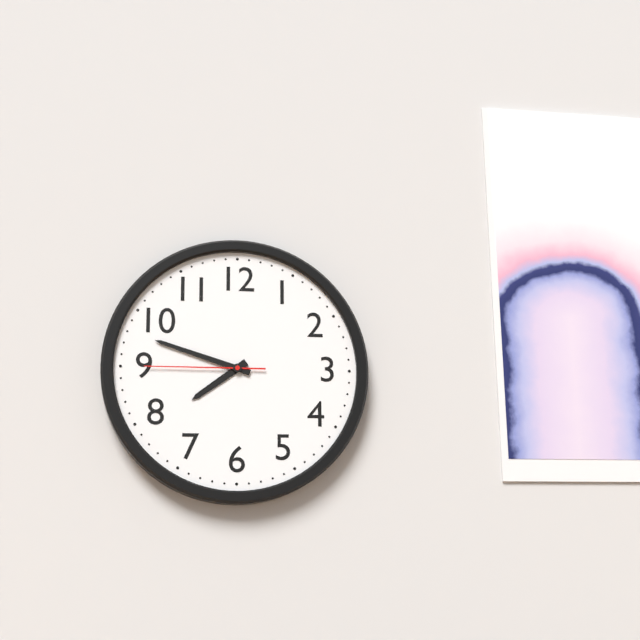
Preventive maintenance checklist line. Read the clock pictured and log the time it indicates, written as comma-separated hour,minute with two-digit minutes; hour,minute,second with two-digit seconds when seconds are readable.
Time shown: 7,48,45
